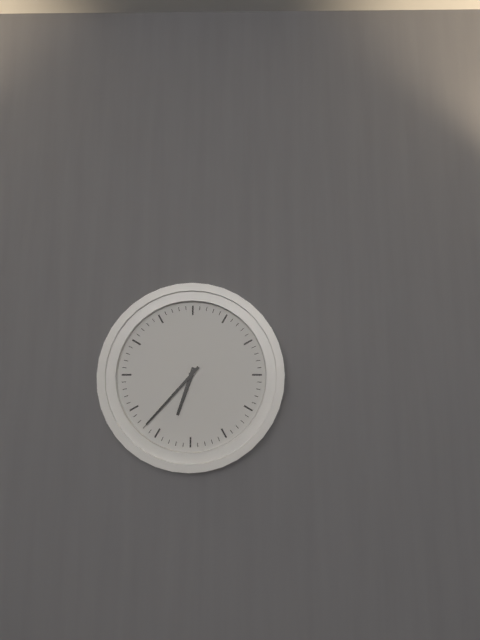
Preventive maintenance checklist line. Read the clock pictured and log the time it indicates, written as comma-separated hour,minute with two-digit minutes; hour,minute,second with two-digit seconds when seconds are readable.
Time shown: 6,37
